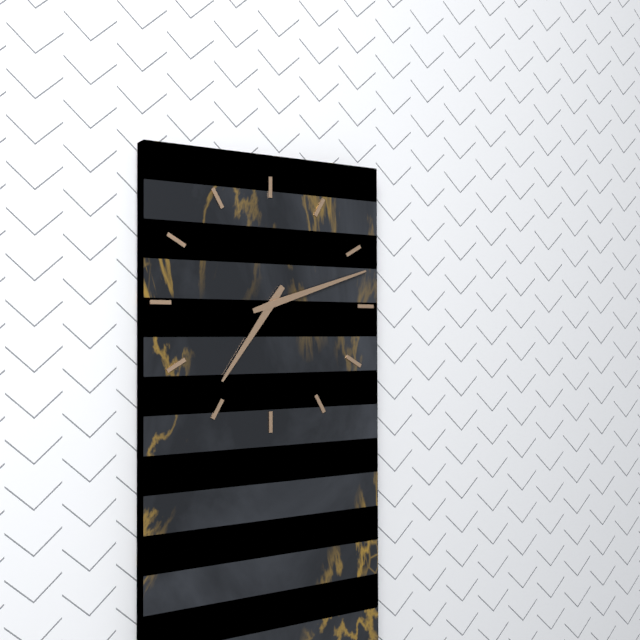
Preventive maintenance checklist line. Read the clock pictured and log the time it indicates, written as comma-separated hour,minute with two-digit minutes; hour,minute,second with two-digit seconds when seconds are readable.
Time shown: 7,12
